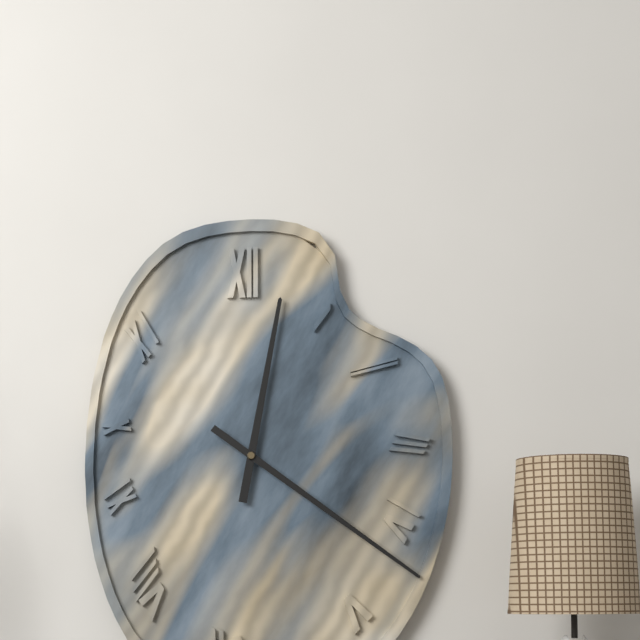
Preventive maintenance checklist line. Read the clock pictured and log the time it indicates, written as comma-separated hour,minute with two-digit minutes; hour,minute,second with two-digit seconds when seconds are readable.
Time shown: 12,21
